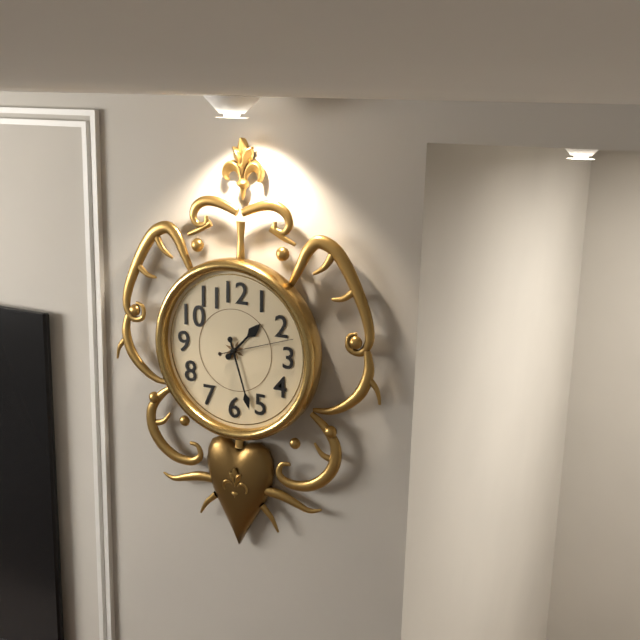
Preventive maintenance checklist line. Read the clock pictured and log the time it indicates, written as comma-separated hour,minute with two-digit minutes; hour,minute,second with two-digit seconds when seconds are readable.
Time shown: 1,27,12
